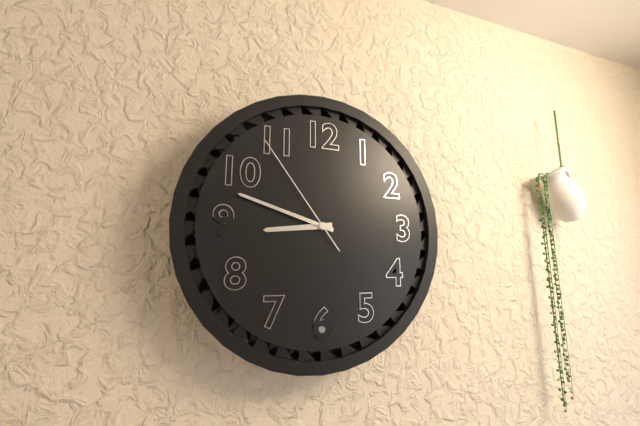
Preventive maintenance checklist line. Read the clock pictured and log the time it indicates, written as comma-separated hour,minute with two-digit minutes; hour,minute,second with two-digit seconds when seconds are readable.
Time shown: 8,48,54
